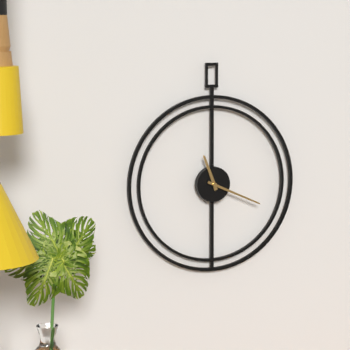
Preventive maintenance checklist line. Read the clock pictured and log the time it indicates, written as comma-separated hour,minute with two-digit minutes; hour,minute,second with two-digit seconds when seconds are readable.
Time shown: 11,19
